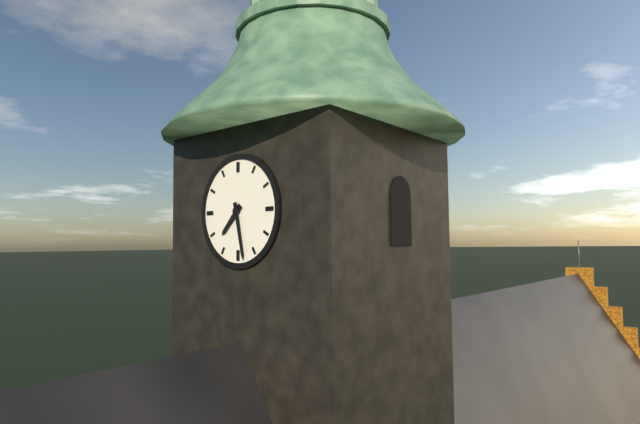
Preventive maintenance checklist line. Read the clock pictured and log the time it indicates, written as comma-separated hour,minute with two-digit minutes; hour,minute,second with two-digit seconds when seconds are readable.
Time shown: 7,28
